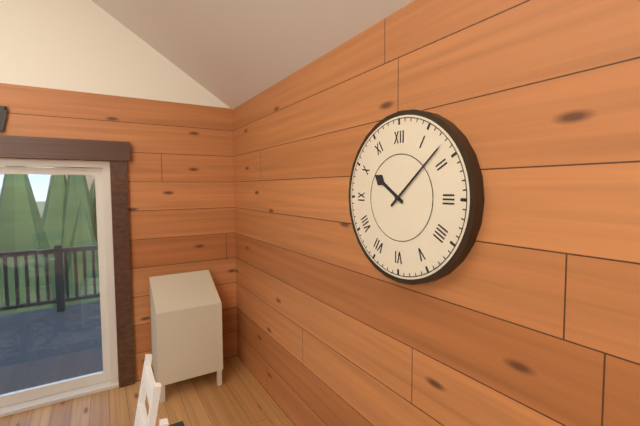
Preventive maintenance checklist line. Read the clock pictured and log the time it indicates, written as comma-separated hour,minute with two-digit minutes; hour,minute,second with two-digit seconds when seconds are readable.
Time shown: 10,08
